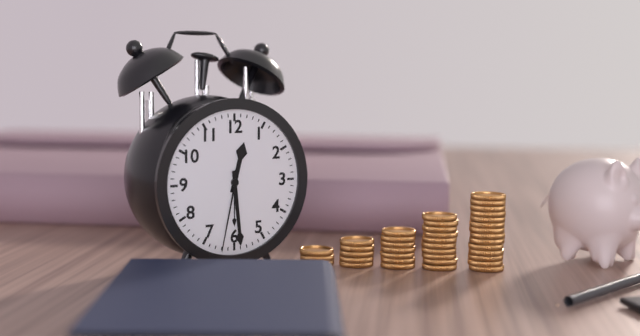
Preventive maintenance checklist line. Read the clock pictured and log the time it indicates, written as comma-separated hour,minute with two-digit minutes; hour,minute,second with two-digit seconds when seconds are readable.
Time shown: 12,29,32
